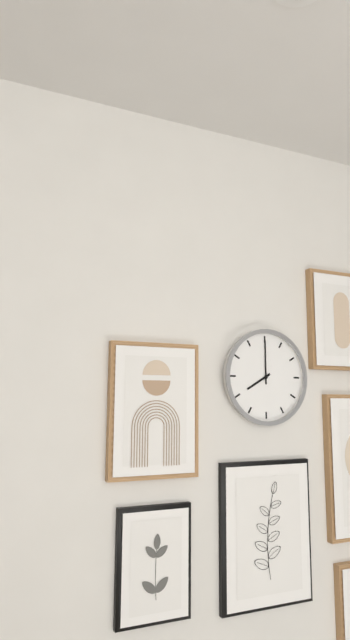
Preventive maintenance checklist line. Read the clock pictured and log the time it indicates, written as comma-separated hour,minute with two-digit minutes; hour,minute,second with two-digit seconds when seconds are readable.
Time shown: 8,00
